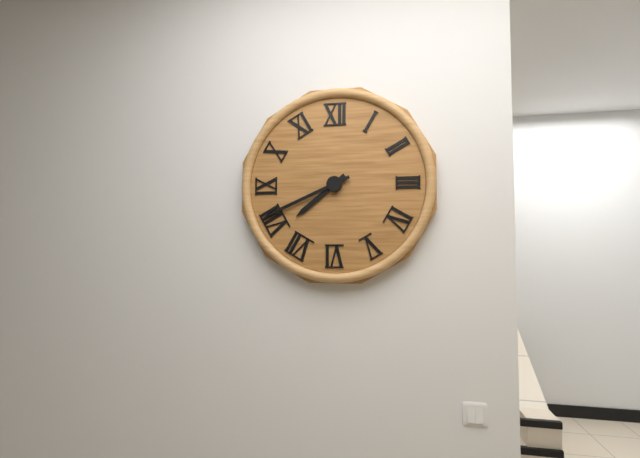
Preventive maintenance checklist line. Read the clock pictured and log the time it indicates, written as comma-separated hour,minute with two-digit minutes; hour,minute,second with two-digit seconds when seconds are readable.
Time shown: 7,41
